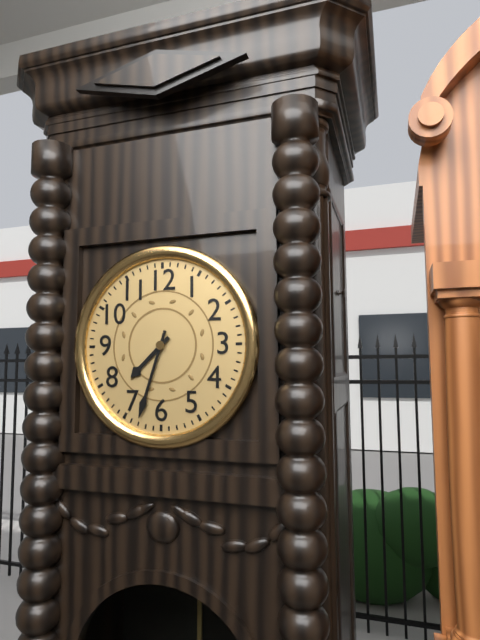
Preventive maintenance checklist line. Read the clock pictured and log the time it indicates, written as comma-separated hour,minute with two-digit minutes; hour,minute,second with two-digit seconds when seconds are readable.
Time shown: 7,33
